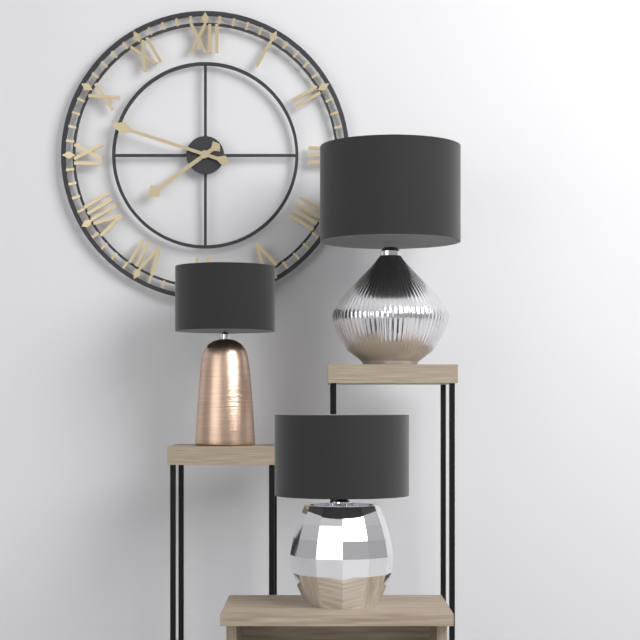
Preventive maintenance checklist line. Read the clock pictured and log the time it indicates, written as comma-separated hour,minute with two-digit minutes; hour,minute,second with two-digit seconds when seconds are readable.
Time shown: 7,48
